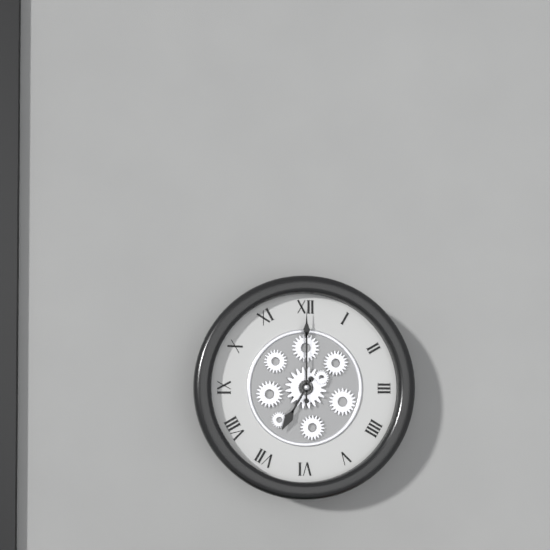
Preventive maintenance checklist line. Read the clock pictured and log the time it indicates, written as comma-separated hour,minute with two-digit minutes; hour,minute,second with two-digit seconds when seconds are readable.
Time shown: 7,00
